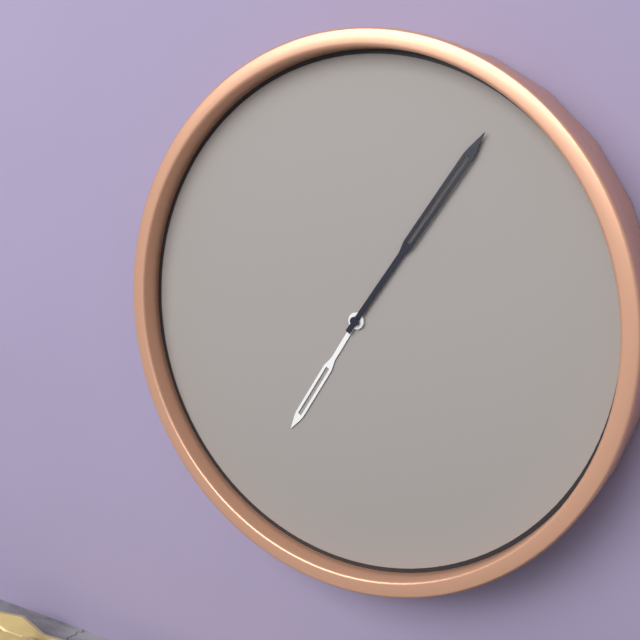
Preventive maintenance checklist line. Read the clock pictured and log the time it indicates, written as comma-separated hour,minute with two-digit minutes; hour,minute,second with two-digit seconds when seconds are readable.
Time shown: 7,06
